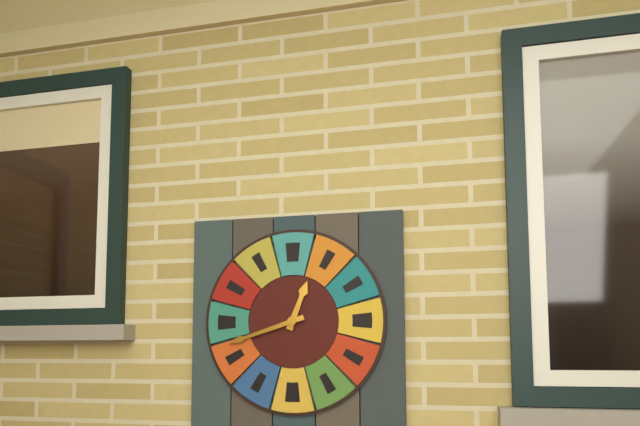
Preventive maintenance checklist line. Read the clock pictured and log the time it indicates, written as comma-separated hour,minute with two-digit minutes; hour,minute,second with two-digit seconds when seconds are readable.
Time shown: 12,42
